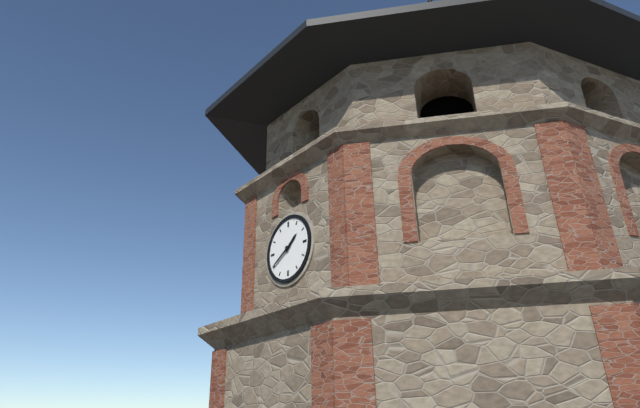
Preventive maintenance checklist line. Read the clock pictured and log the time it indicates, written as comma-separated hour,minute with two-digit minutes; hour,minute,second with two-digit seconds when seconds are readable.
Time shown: 1,40
